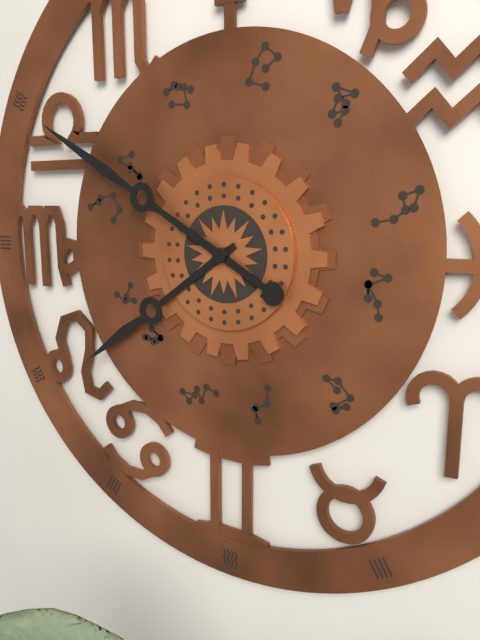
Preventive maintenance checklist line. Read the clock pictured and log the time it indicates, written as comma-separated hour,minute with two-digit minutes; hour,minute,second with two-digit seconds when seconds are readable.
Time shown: 7,50
